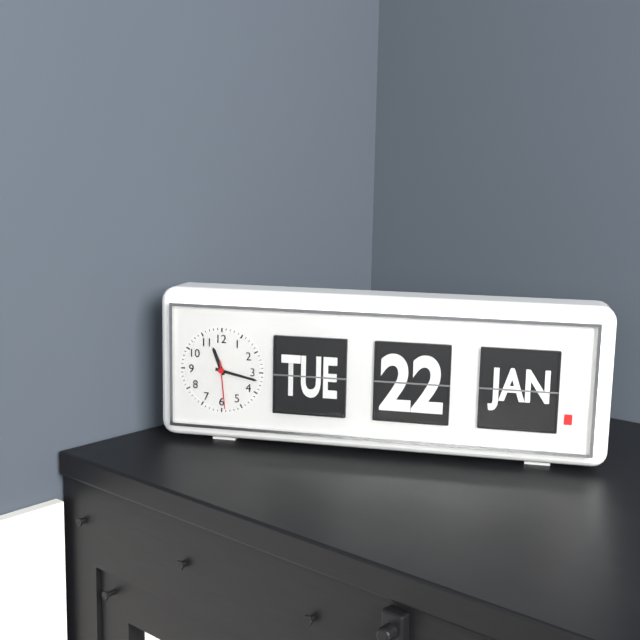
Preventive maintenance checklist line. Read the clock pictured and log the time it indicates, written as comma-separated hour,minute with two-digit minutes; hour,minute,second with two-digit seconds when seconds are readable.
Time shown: 11,17,29
